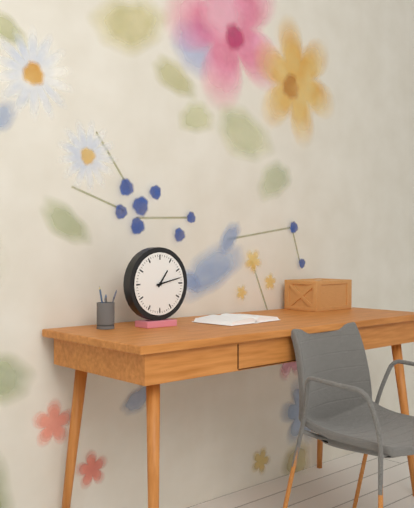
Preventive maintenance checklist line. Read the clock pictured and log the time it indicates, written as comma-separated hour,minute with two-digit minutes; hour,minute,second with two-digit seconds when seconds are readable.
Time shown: 1,13
